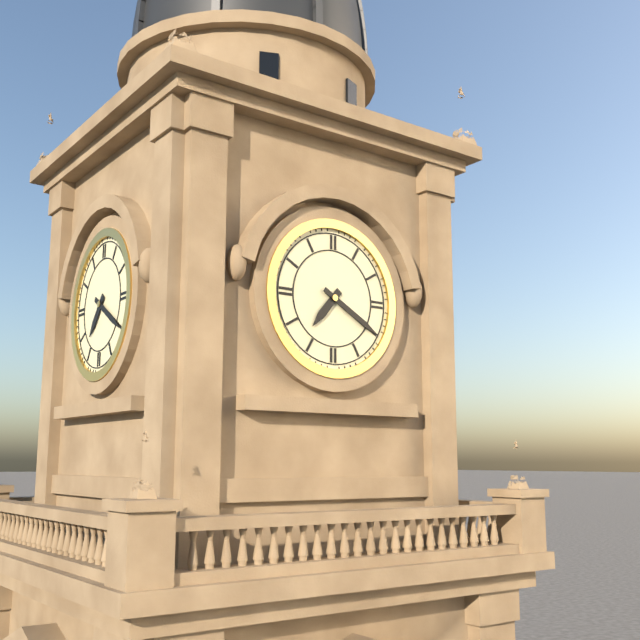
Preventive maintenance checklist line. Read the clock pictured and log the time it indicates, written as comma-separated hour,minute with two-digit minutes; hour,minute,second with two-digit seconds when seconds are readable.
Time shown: 7,20
